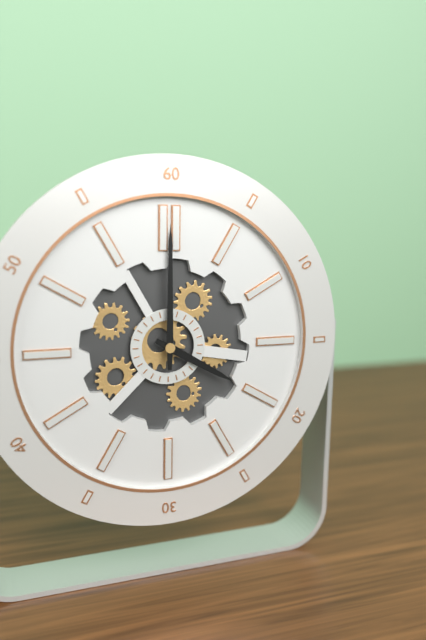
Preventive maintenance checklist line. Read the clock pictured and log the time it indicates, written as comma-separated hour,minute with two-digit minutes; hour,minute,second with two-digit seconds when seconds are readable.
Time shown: 4,00
